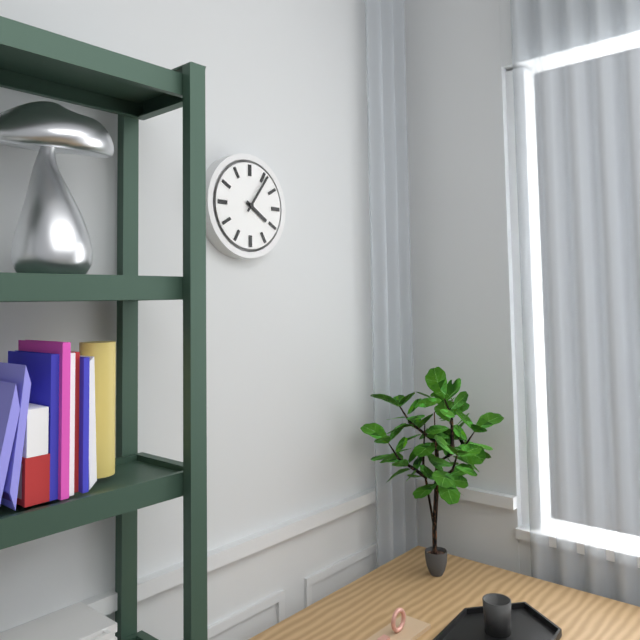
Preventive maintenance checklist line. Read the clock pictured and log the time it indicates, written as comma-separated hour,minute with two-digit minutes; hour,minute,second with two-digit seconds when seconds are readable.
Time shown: 4,06
